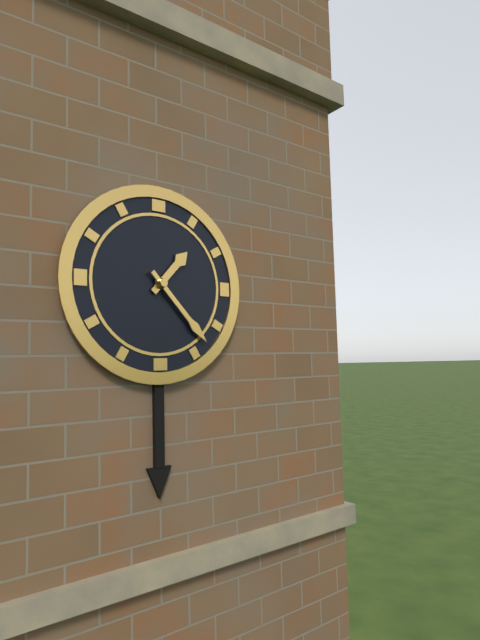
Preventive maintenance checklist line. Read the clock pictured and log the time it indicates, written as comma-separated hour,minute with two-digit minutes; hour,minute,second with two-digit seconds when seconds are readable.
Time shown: 1,23
